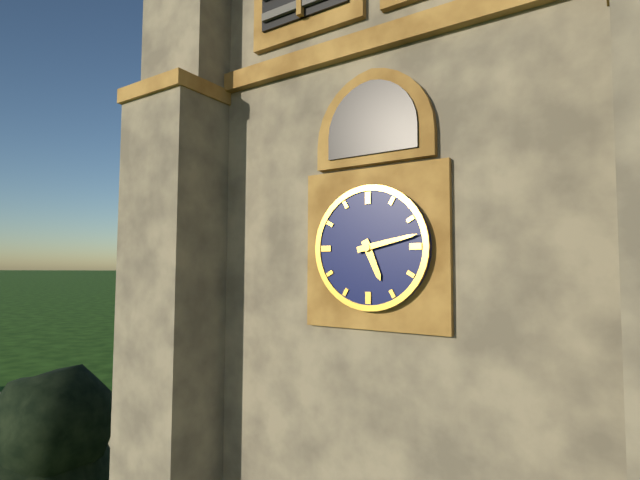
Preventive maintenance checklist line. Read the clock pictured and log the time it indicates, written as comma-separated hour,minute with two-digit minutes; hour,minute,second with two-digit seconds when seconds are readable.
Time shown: 5,13
